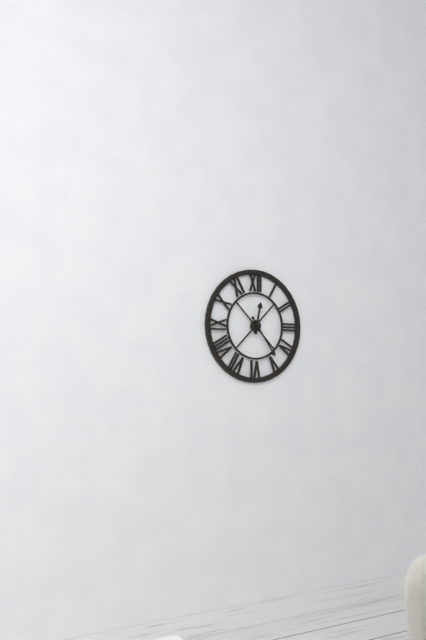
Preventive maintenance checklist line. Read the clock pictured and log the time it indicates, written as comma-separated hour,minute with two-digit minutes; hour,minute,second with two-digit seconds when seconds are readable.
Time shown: 12,24
